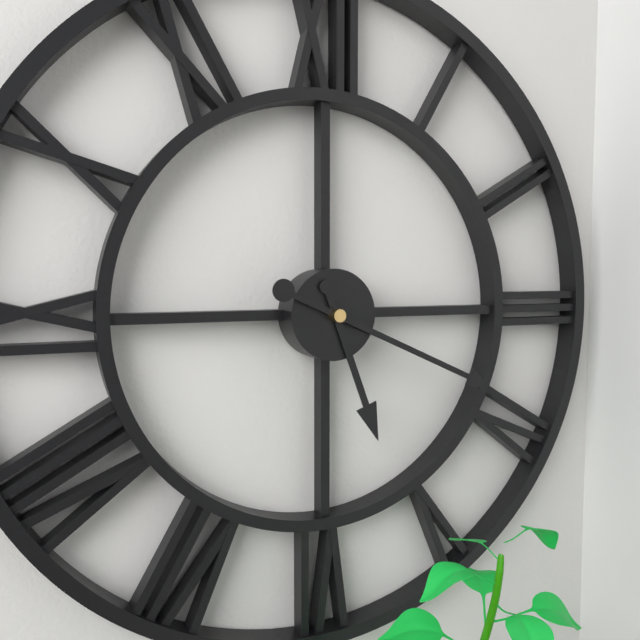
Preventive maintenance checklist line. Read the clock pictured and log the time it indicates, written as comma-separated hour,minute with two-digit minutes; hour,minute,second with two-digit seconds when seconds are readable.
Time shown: 5,19
